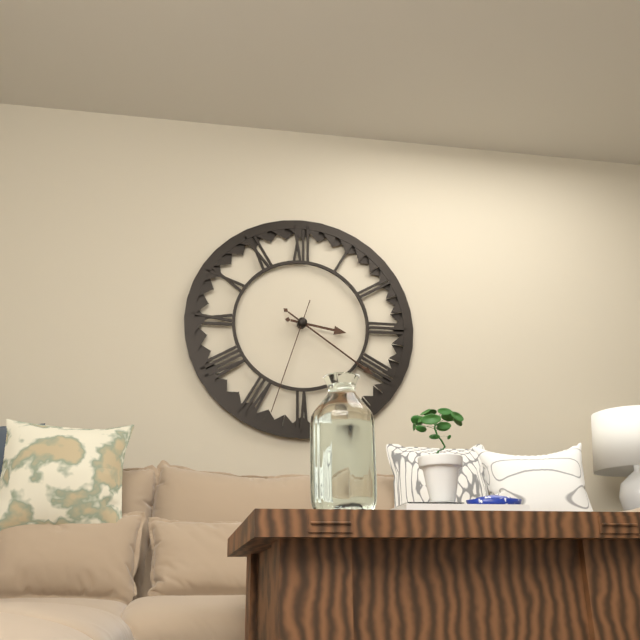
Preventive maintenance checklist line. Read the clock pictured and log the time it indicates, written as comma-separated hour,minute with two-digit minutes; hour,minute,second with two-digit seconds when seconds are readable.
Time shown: 3,21,33
